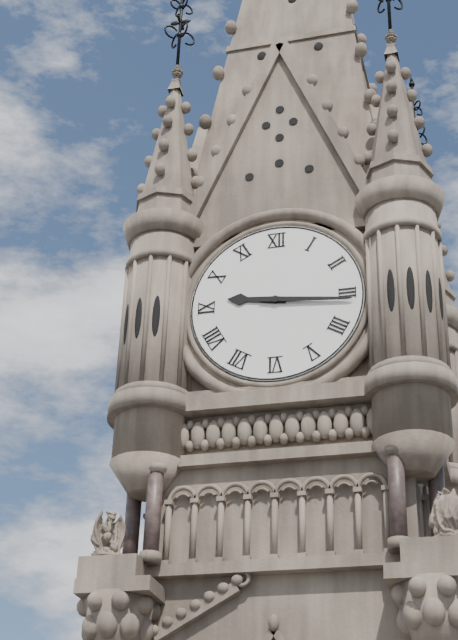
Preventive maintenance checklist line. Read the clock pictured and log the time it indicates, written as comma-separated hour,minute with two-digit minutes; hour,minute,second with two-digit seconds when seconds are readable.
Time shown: 9,16
